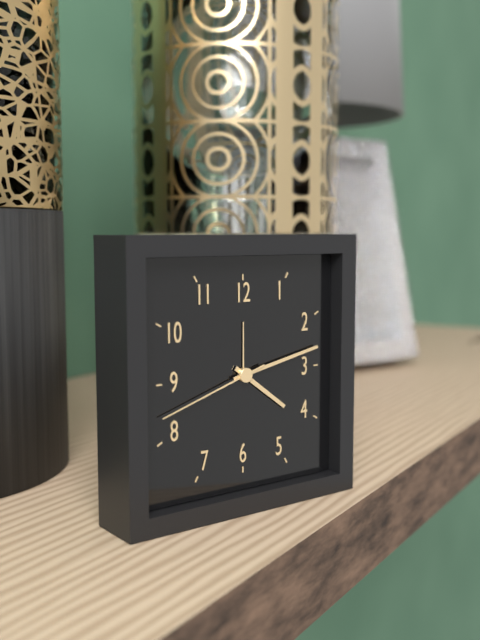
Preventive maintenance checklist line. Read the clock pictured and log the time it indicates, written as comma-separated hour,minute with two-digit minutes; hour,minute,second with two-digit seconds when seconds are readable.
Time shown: 4,13,42
